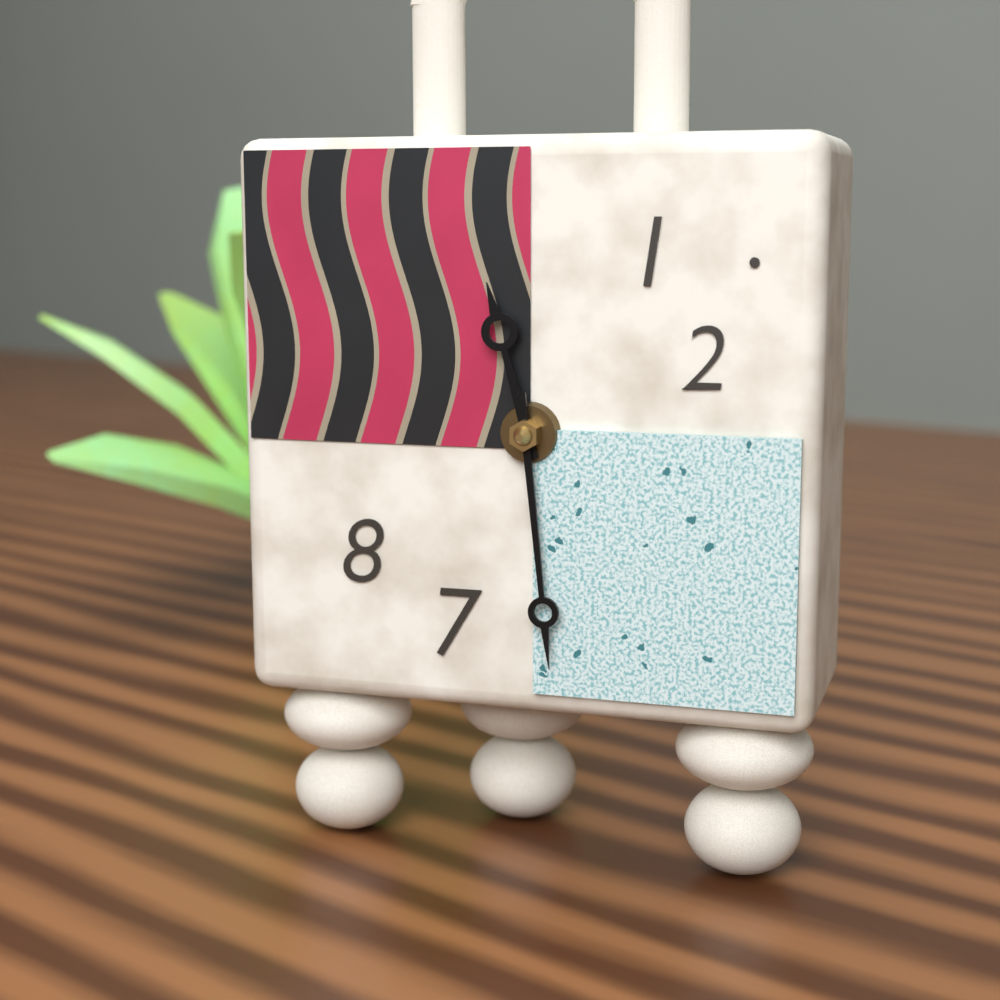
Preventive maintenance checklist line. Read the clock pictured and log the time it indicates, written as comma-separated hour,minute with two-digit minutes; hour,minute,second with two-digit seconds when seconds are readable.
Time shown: 11,29
